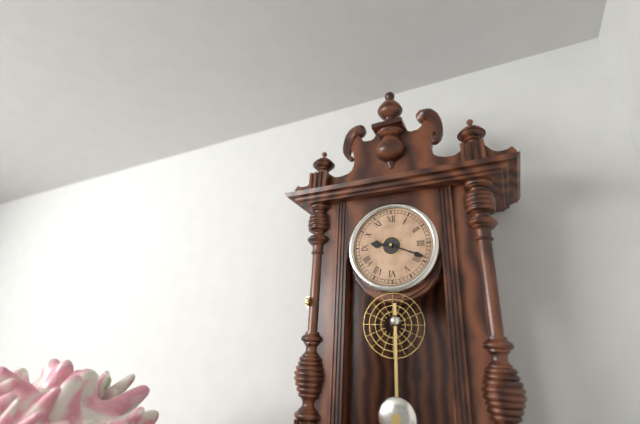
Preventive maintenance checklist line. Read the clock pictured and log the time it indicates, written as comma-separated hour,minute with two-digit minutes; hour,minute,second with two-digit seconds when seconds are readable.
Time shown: 9,19
